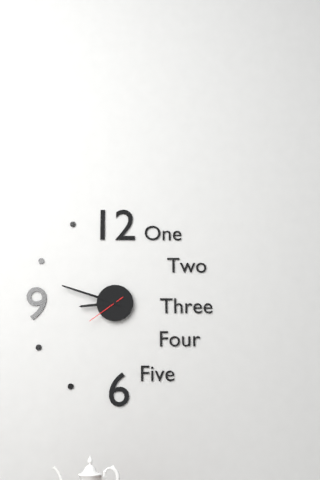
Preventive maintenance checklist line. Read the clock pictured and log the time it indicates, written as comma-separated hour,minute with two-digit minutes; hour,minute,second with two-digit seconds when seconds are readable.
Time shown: 8,48
